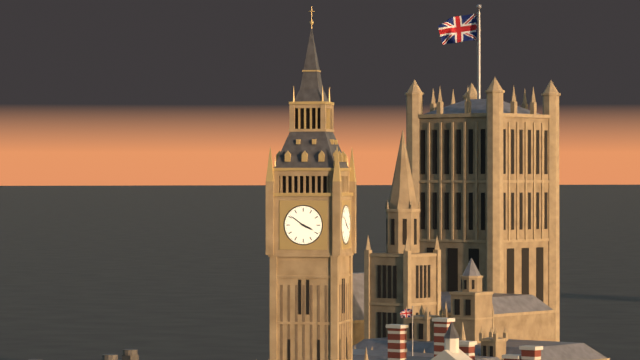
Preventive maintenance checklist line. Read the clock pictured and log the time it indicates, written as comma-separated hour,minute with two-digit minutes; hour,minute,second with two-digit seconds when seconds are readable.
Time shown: 3,51
